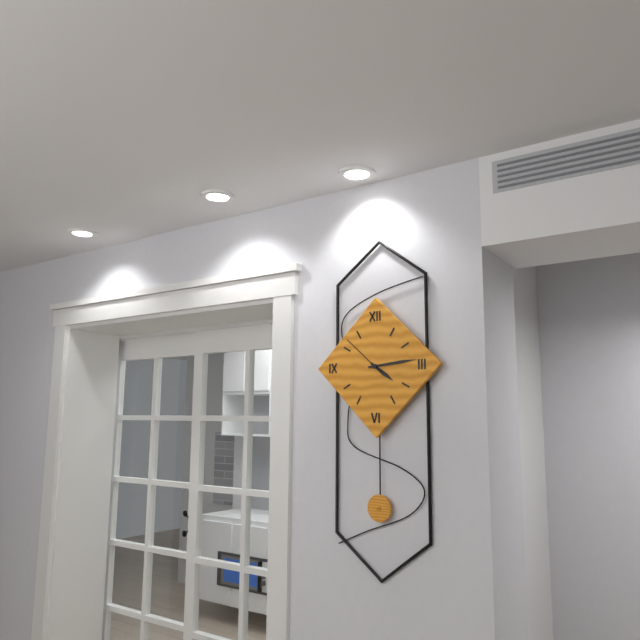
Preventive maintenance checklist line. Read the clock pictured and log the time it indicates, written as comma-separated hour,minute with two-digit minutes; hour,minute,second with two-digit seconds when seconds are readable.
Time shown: 4,14,52
